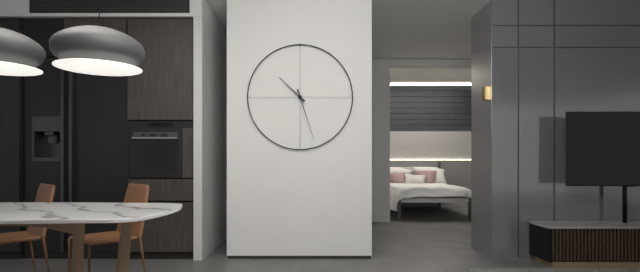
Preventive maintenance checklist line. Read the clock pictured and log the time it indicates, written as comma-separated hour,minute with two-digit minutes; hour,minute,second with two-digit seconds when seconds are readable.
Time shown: 10,27
